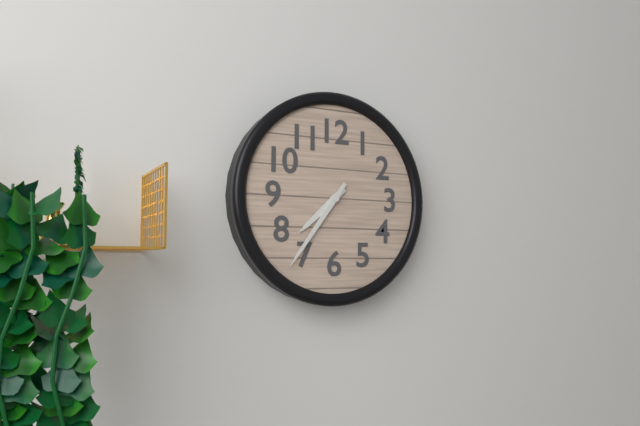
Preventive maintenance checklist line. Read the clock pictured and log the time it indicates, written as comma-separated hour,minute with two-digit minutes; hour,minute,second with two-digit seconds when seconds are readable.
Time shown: 7,36
